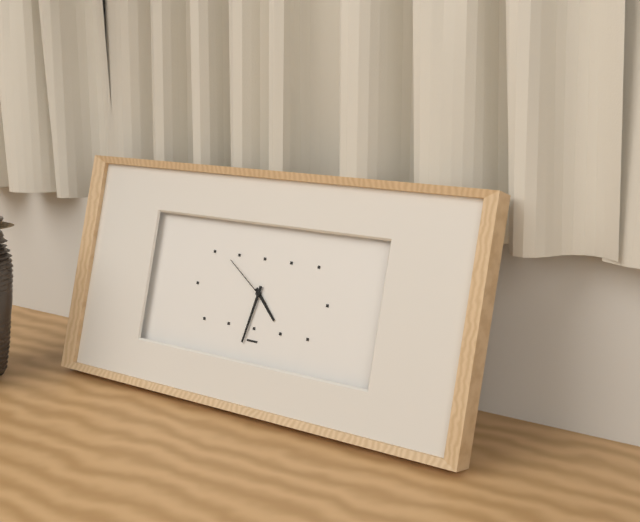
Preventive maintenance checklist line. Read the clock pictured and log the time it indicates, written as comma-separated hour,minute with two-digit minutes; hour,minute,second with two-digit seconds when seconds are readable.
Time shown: 4,32,51
